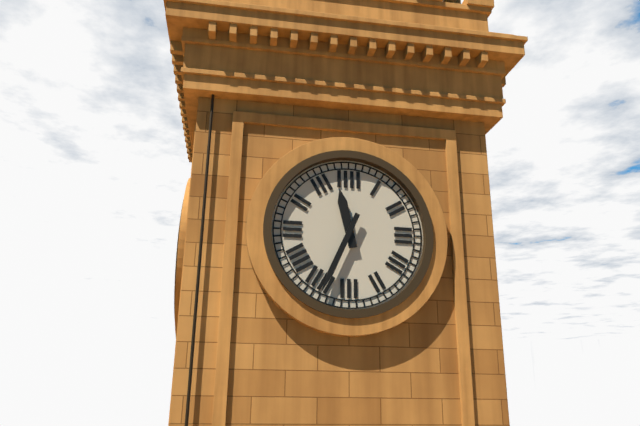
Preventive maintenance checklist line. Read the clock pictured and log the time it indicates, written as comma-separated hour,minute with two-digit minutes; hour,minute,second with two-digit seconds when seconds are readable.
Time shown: 11,34
